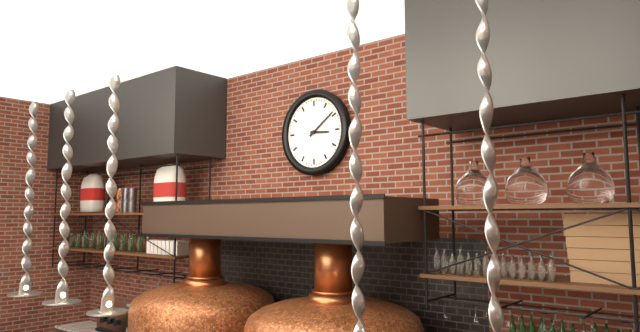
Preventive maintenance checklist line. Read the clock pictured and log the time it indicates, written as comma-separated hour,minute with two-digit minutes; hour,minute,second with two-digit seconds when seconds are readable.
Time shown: 3,09
